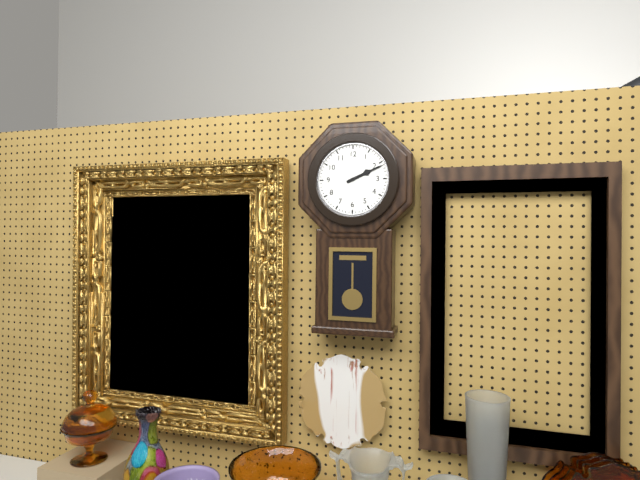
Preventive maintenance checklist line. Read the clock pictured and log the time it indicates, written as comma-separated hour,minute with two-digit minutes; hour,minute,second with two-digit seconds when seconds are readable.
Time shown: 2,11
